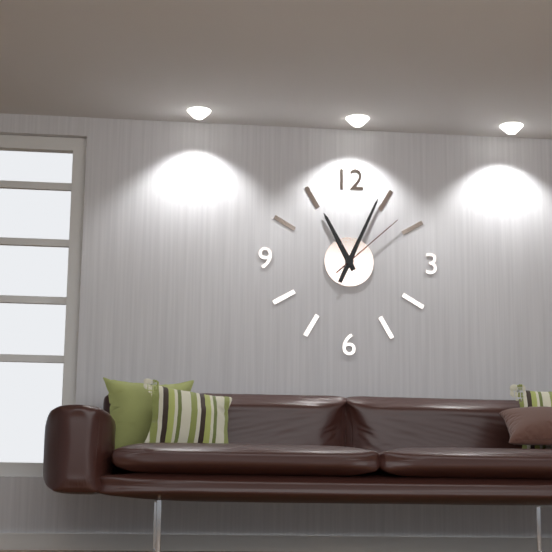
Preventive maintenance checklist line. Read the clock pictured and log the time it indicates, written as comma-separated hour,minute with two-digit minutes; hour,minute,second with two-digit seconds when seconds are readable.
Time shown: 11,04,08
